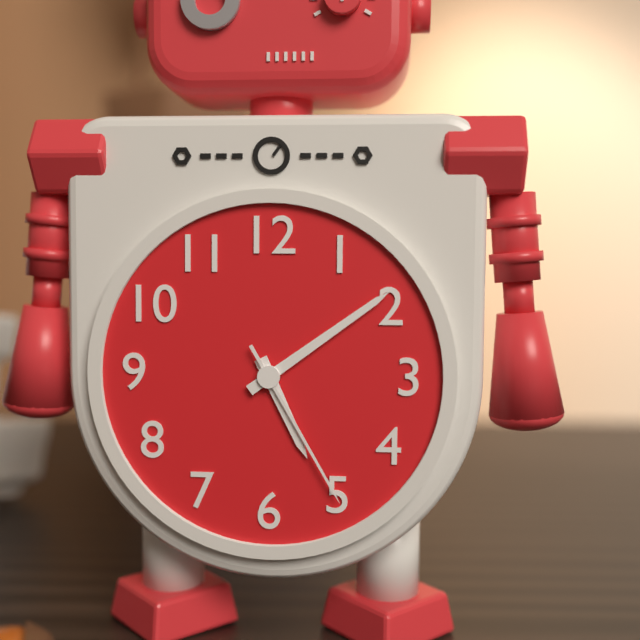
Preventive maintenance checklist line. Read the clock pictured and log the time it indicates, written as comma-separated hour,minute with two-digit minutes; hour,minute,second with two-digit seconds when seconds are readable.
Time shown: 5,09,25
